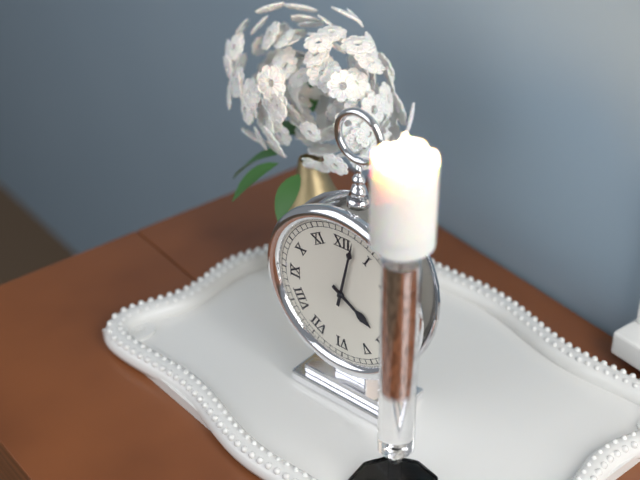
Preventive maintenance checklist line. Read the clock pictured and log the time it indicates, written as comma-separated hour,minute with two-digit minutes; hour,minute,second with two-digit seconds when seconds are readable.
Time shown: 4,02
